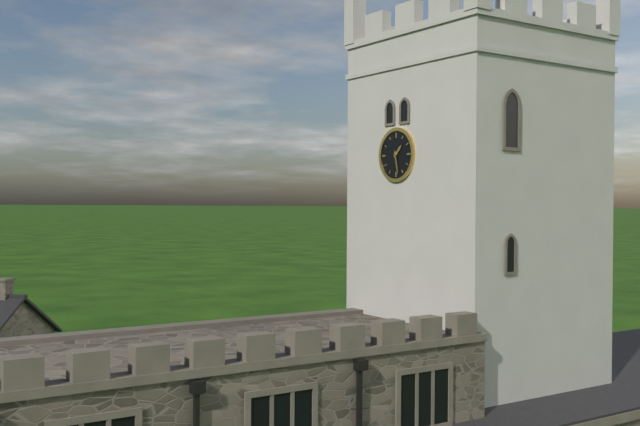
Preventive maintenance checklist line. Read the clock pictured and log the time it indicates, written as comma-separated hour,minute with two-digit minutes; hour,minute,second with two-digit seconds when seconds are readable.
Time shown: 1,28
